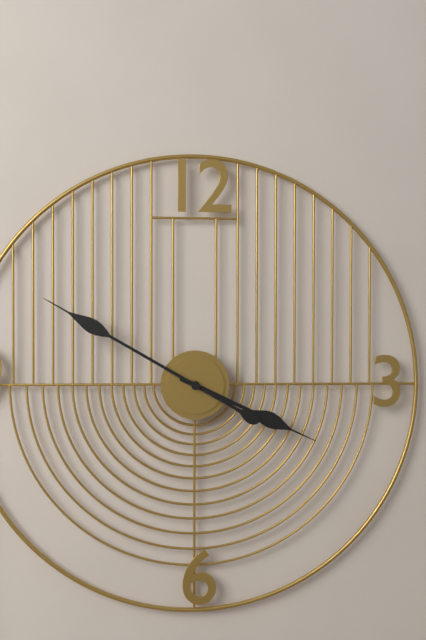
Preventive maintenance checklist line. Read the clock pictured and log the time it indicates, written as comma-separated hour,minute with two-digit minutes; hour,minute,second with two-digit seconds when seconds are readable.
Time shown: 3,50
